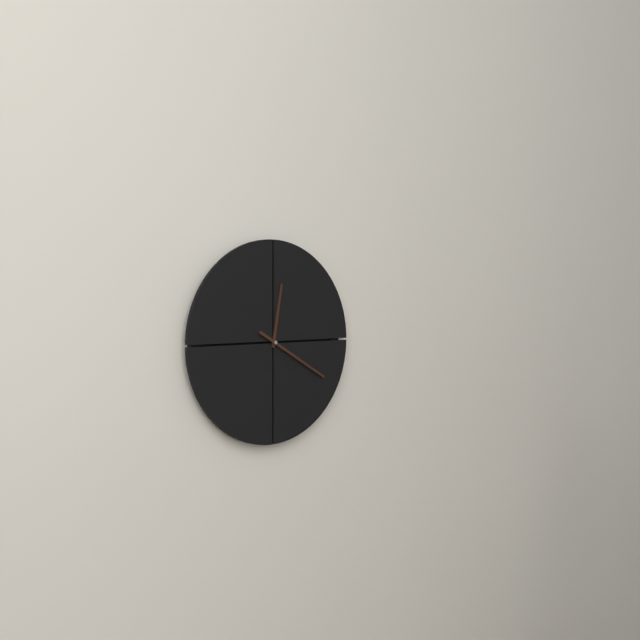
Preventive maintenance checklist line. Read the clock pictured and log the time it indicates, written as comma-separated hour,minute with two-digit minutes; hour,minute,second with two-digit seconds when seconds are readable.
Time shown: 12,20
